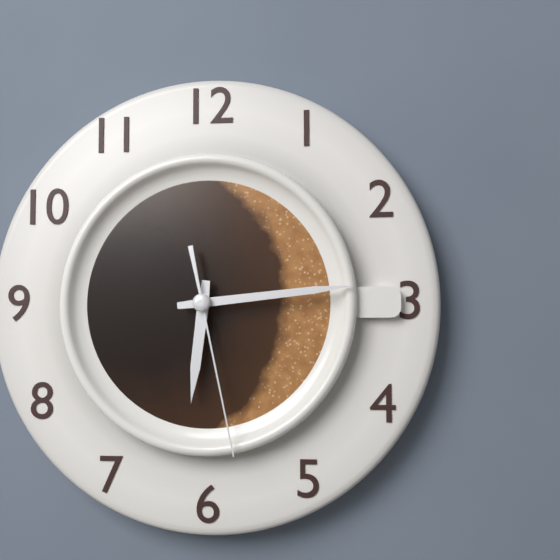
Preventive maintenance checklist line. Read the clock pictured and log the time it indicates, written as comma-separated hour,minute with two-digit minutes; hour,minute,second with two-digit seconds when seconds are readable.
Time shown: 6,14,28
